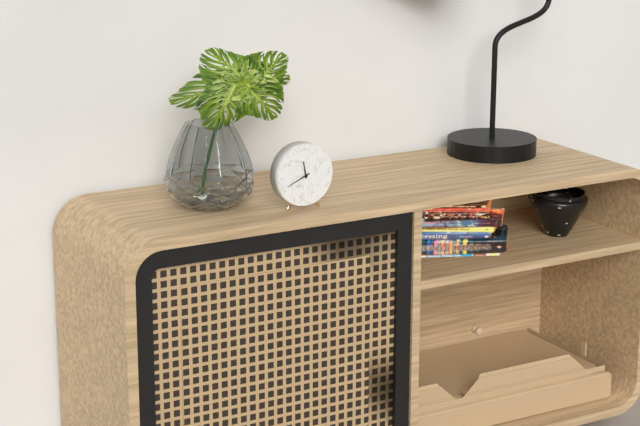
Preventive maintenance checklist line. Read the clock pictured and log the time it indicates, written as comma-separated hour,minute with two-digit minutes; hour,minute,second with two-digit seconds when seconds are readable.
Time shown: 11,41
